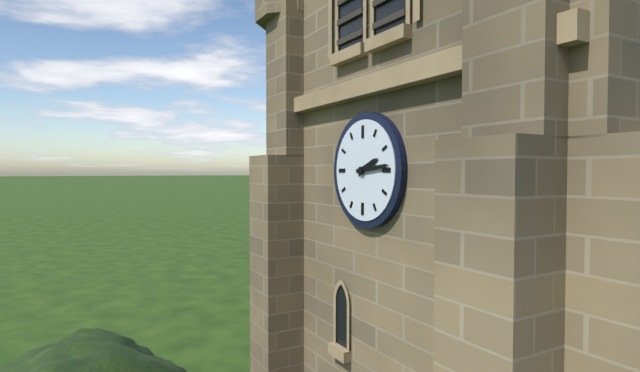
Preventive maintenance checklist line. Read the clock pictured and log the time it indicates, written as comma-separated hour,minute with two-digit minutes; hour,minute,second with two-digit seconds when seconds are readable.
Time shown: 2,14
